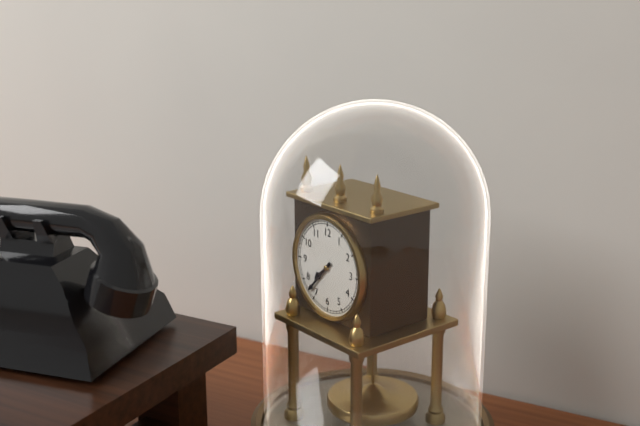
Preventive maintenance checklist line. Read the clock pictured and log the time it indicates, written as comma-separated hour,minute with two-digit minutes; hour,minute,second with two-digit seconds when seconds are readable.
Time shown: 7,37
